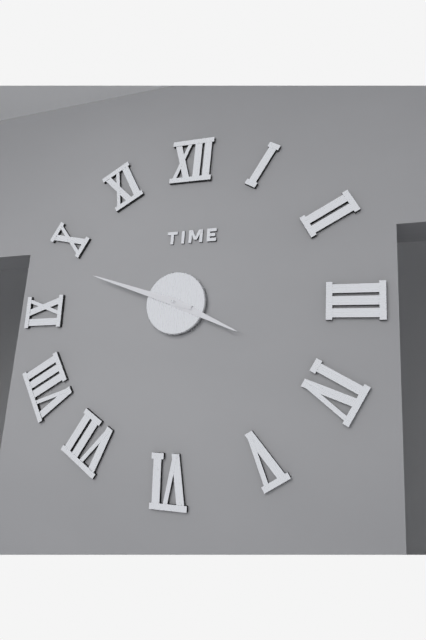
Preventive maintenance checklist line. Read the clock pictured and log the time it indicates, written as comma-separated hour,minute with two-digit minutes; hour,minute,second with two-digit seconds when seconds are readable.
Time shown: 3,48
